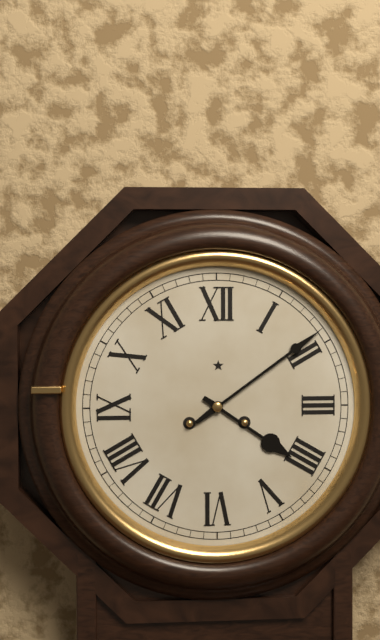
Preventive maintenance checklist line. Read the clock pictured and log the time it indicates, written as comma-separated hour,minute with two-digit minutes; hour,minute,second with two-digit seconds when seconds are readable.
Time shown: 4,09
